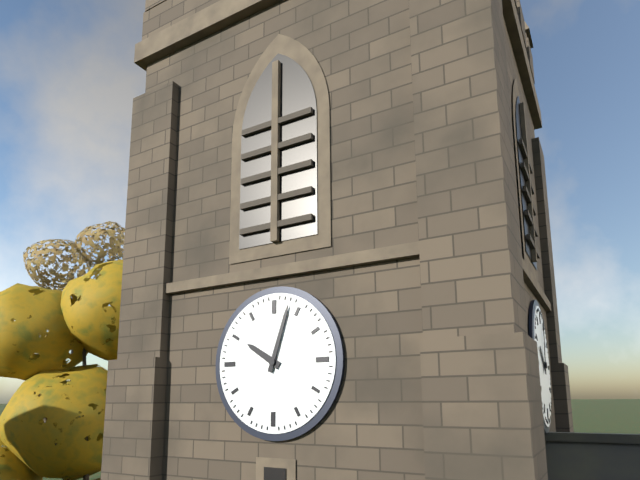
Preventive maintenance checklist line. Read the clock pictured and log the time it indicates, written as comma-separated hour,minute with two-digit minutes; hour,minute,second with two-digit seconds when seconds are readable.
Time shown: 10,03
